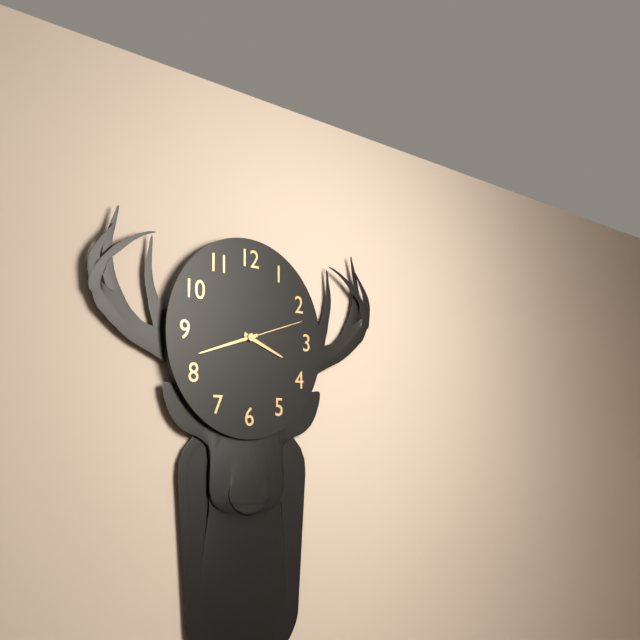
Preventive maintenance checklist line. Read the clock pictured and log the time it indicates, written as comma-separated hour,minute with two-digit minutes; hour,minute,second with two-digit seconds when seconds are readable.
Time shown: 3,42,12
